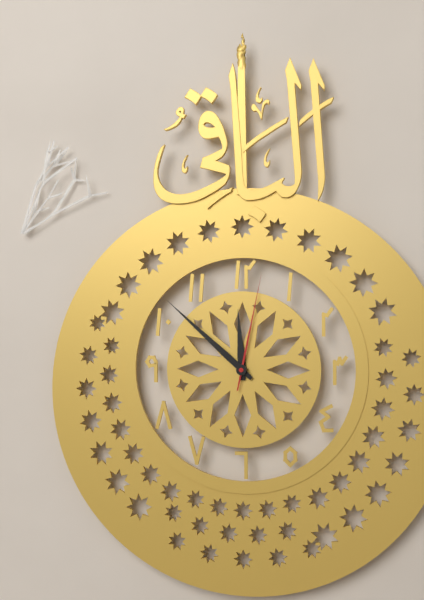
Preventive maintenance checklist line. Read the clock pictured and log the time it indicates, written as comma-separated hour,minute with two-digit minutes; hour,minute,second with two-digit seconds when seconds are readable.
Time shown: 11,52,02
